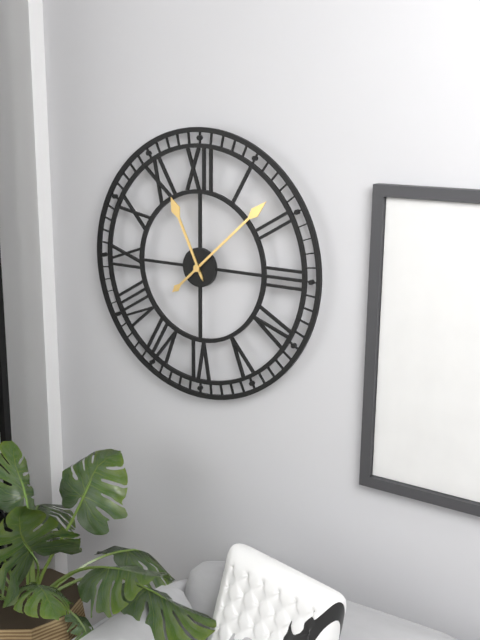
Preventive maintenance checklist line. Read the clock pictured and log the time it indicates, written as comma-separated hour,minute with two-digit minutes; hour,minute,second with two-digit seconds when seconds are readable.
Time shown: 11,08
